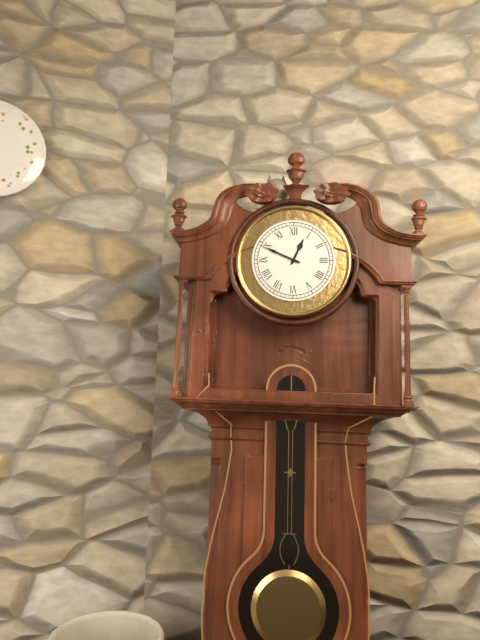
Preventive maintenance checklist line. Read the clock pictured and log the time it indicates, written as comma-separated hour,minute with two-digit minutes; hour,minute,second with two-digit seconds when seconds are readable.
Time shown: 12,49
